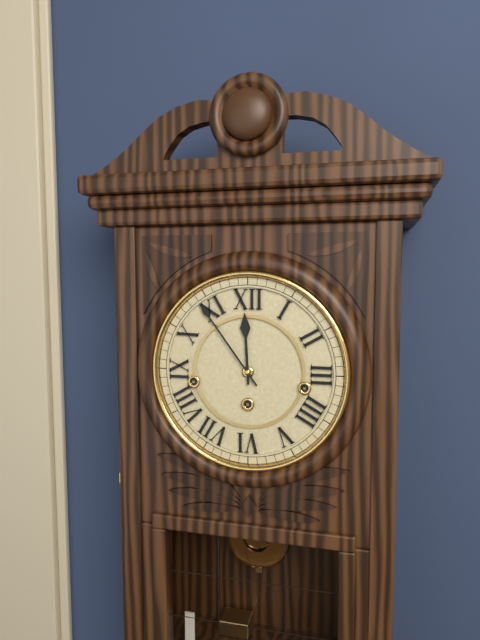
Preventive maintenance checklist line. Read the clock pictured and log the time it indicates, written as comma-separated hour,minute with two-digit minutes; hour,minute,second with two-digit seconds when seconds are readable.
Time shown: 11,54
